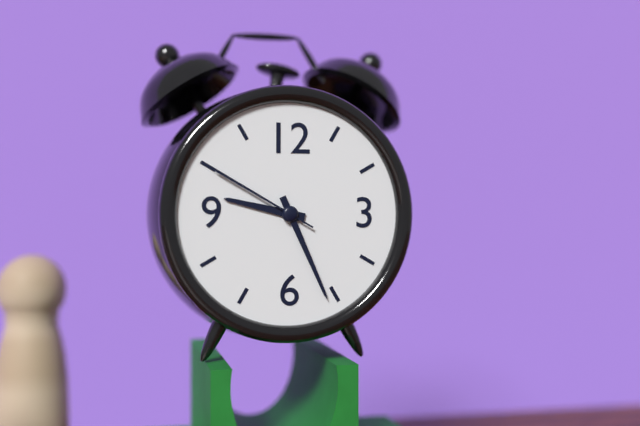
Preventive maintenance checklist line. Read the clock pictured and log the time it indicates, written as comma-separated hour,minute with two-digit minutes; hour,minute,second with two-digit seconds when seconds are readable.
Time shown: 9,26,50
